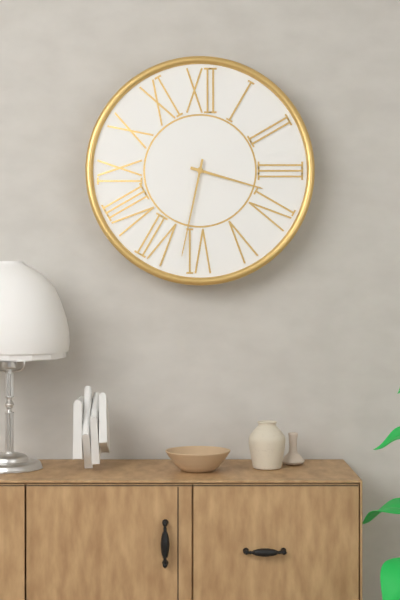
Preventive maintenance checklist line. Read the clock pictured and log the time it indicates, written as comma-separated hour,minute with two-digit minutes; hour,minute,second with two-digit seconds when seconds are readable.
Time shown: 3,32
